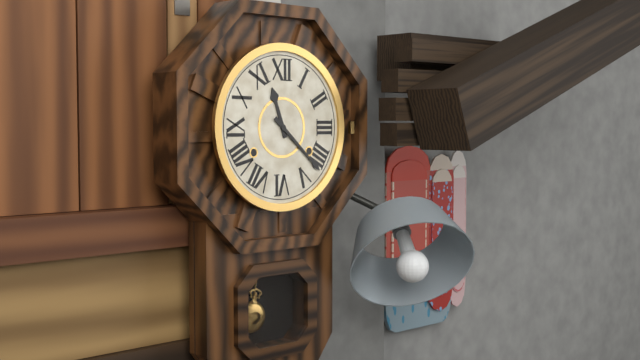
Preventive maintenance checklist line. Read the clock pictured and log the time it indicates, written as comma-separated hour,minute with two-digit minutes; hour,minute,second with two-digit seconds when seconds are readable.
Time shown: 11,22
